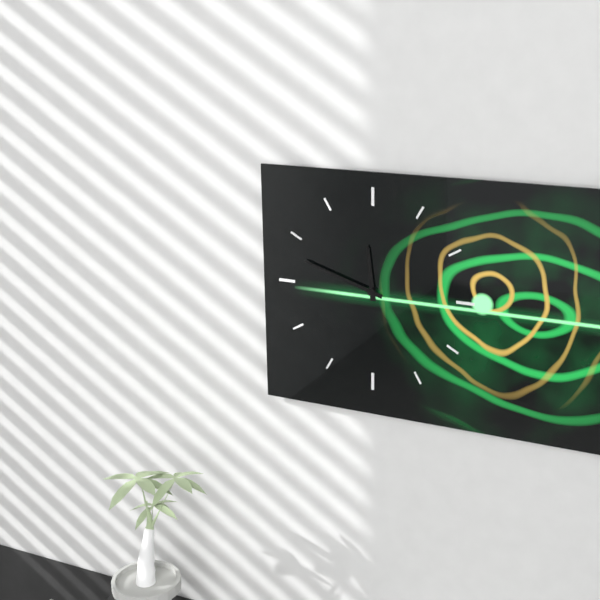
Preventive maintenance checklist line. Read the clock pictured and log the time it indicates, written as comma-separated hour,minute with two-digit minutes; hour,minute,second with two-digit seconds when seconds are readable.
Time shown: 11,48
